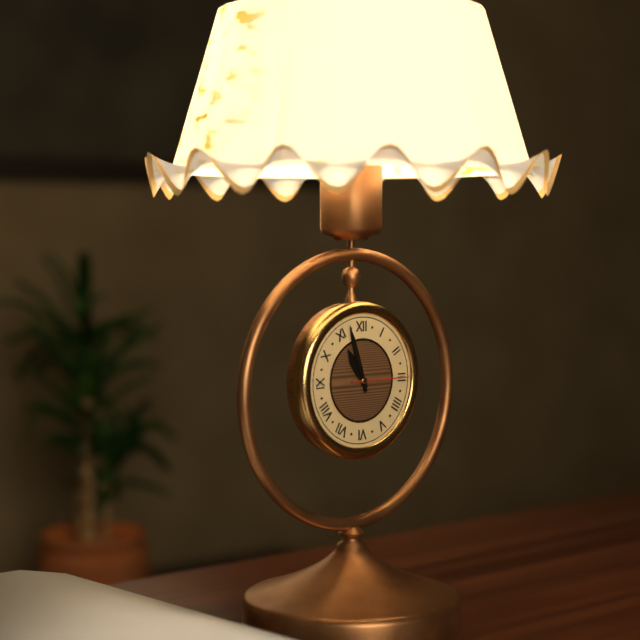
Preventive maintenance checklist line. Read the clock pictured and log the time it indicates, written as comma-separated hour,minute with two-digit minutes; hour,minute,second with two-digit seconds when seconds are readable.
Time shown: 10,57,15
